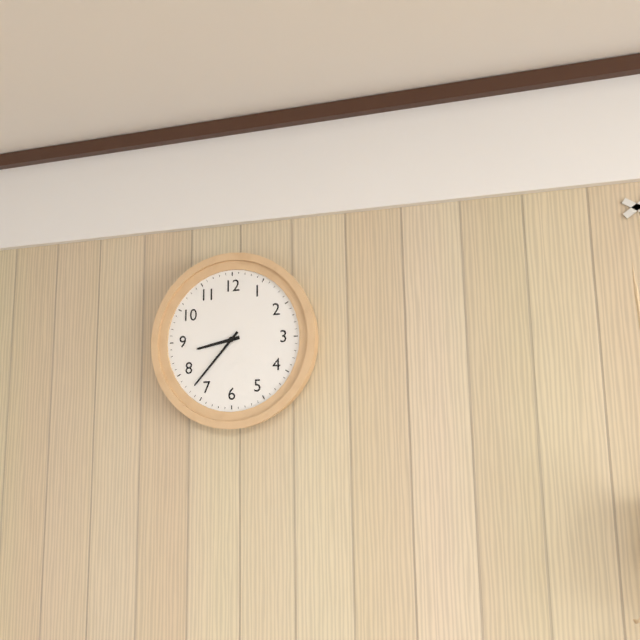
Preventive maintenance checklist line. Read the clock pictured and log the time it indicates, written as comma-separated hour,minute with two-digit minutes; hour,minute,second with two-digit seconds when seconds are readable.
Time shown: 8,37
